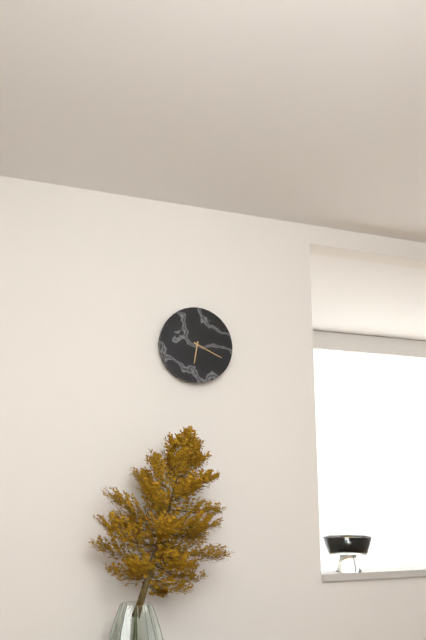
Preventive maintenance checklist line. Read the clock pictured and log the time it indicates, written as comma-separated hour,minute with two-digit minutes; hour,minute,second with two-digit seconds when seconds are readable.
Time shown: 6,19
